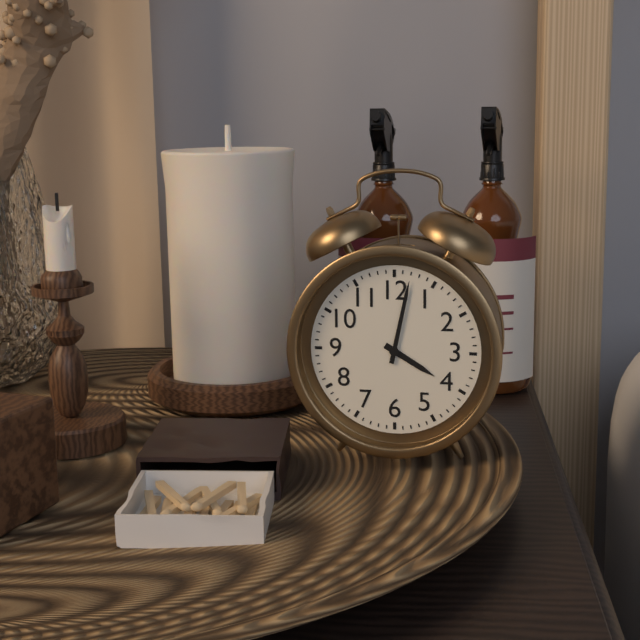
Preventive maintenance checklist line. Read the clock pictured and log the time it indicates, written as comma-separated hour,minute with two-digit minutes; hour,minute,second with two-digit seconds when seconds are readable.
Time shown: 4,02
